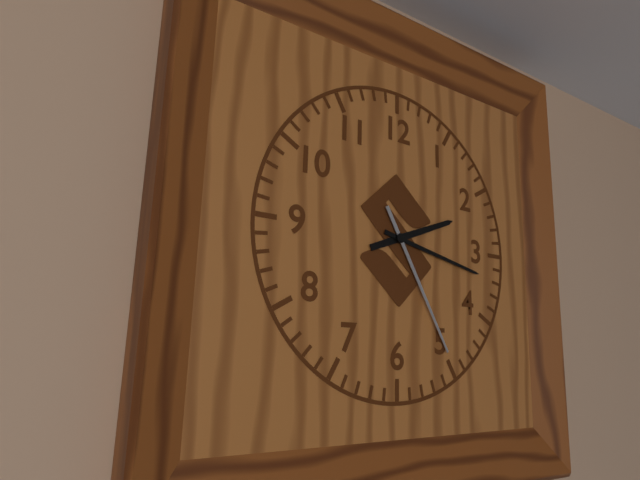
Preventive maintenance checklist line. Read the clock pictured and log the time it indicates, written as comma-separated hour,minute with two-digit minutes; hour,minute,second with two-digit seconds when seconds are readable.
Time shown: 2,17,25
